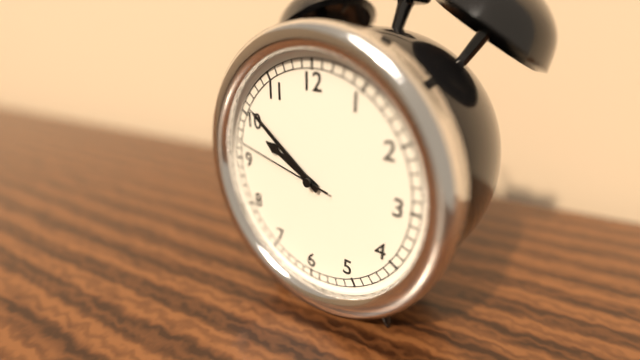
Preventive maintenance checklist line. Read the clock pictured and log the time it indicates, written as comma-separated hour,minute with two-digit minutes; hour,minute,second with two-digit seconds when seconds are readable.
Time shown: 9,51,47
